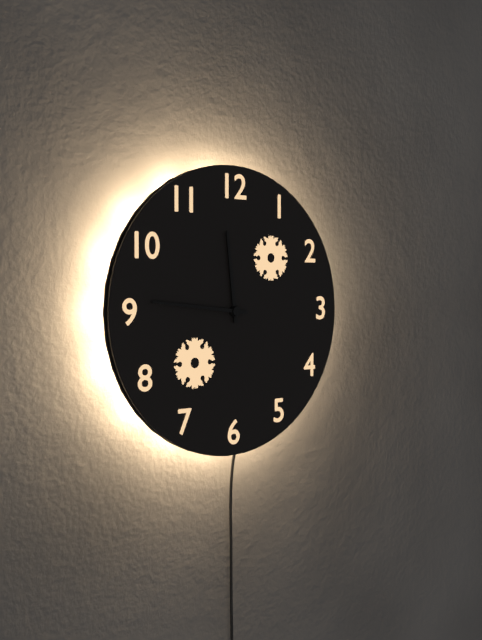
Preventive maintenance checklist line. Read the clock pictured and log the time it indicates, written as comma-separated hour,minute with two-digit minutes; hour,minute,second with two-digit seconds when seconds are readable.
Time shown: 11,46
